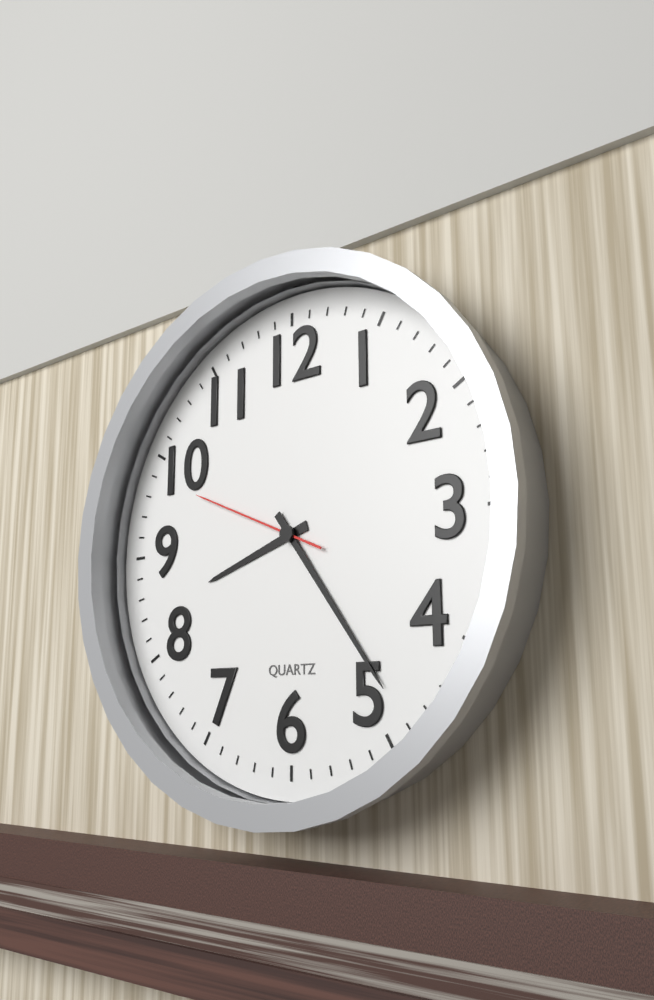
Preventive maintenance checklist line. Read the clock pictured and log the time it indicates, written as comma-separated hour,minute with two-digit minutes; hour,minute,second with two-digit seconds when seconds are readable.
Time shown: 8,24,49
